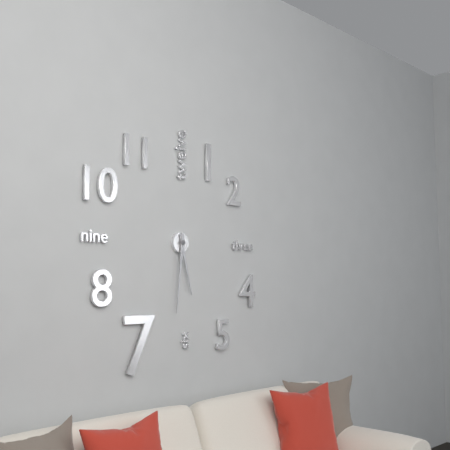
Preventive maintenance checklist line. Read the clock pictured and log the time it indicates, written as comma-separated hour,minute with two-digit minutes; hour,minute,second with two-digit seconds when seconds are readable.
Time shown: 5,31
